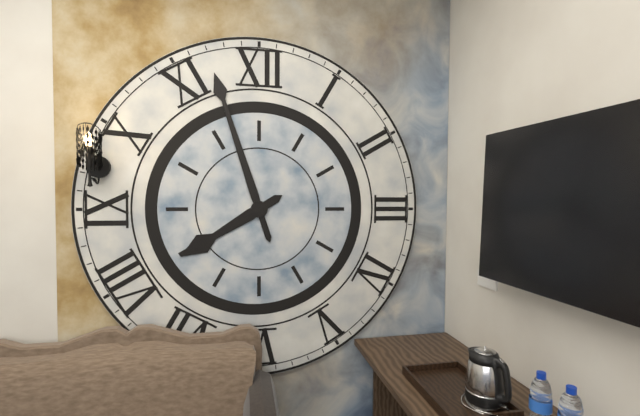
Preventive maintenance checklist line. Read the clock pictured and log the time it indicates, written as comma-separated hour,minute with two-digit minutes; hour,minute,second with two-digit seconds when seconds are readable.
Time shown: 7,57
